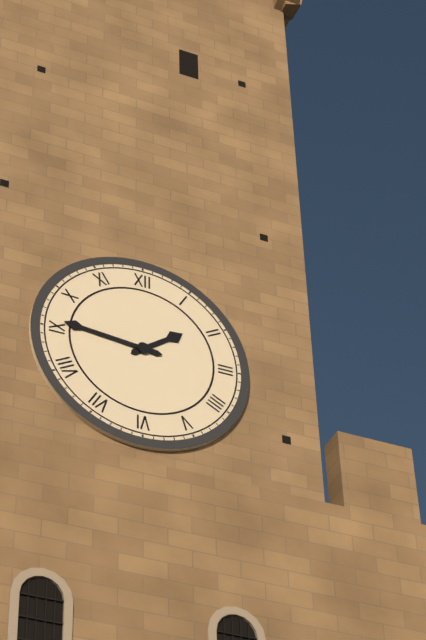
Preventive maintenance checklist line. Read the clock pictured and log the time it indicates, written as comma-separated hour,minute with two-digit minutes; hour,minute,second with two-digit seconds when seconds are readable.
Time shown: 1,46
